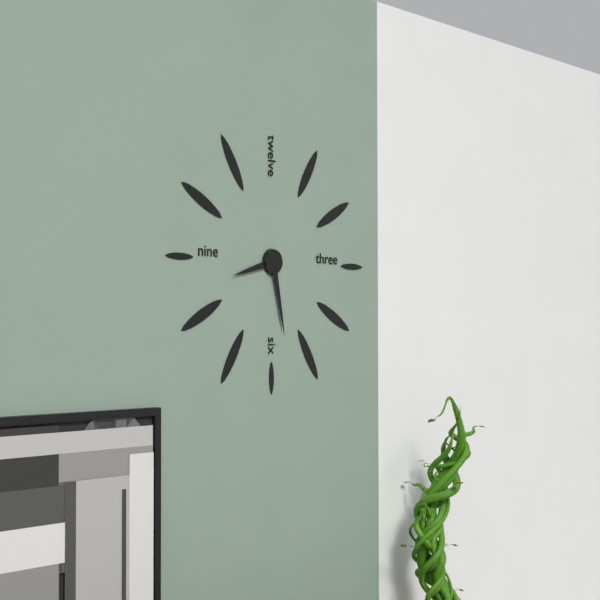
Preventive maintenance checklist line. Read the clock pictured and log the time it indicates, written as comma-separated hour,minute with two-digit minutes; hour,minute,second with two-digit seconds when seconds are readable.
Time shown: 8,28
